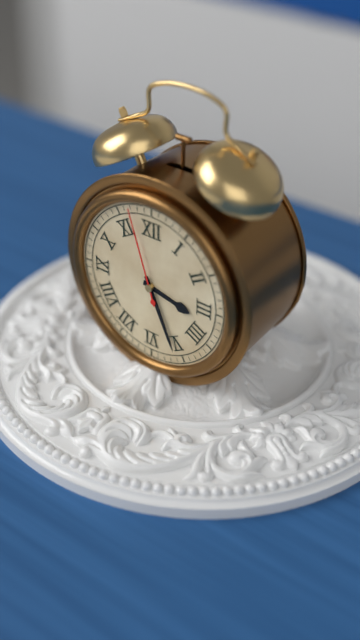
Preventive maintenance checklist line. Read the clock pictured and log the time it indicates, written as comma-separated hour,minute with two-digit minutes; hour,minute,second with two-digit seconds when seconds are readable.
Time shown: 3,26,57
